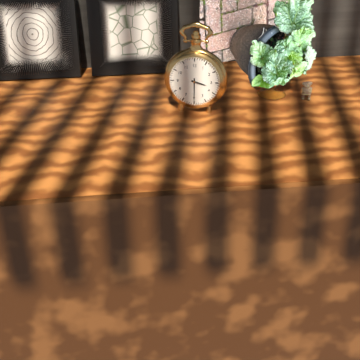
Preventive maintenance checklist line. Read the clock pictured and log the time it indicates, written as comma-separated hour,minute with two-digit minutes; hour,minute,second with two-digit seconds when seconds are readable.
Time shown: 3,30
